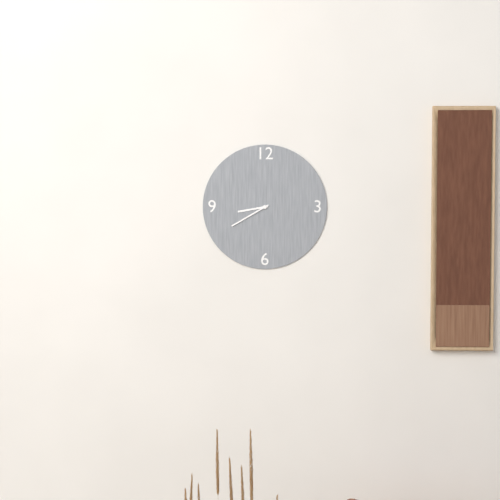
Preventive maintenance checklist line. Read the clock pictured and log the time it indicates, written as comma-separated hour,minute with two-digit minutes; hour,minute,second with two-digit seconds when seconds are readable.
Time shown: 8,40
